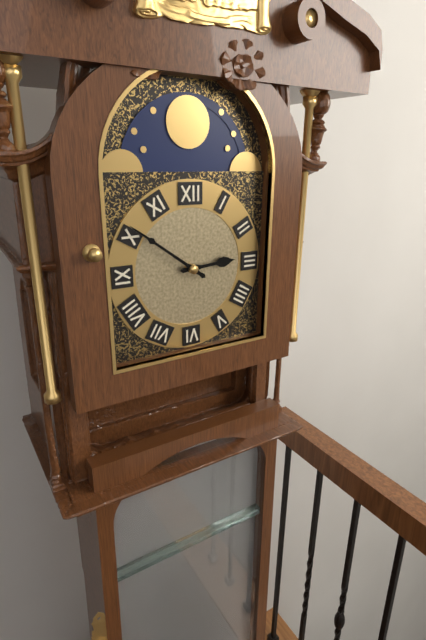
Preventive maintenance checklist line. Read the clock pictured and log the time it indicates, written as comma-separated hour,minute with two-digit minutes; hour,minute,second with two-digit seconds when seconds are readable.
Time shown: 2,51
